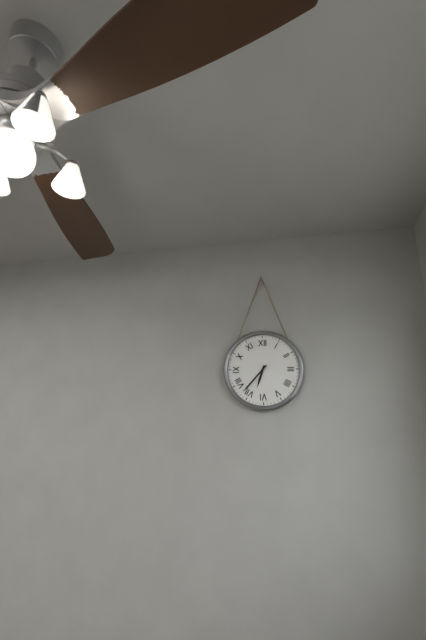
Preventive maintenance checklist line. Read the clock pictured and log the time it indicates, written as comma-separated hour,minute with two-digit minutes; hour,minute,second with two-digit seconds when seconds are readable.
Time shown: 6,37
